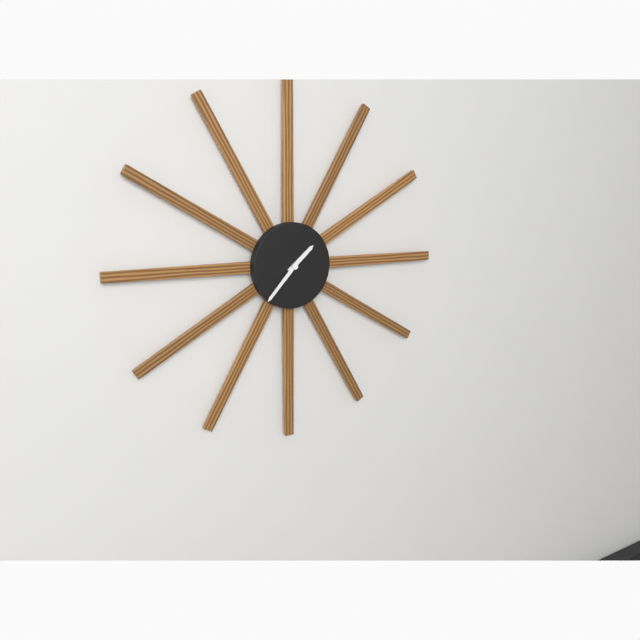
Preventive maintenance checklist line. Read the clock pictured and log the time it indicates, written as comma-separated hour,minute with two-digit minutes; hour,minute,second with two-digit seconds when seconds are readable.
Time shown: 1,37
